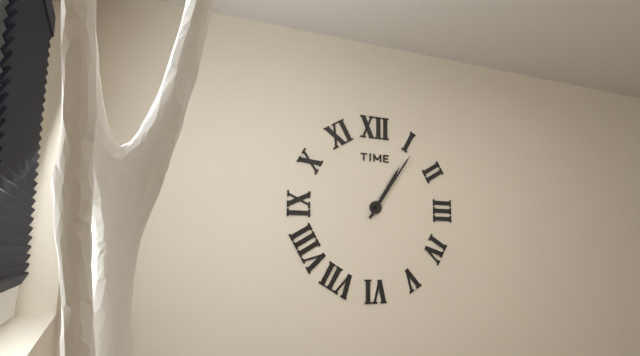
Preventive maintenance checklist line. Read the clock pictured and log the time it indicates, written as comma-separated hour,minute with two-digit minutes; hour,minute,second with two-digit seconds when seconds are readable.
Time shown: 1,06
